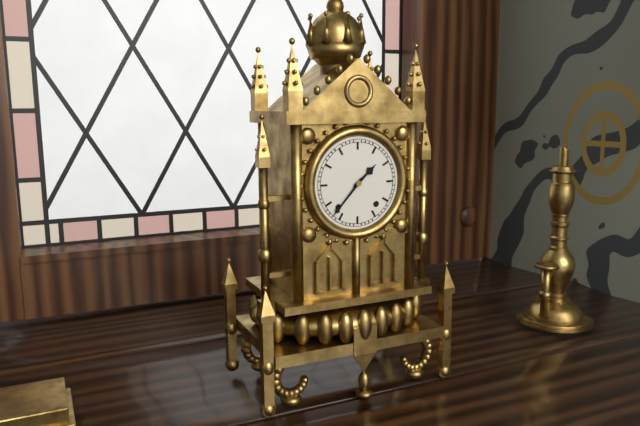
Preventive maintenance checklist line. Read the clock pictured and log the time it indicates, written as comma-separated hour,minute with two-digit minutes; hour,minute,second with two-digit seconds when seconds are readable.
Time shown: 1,37
